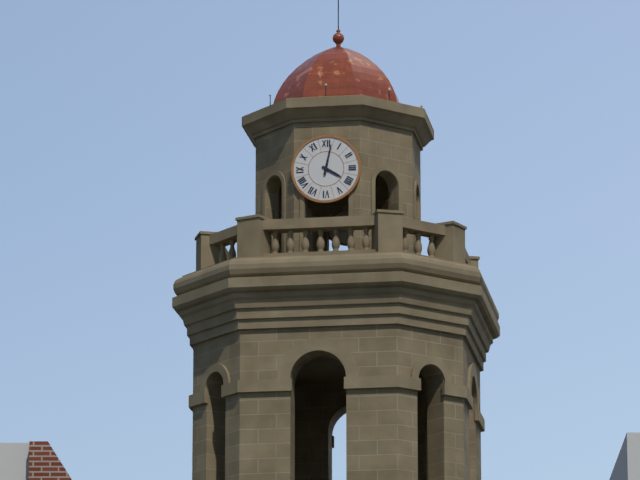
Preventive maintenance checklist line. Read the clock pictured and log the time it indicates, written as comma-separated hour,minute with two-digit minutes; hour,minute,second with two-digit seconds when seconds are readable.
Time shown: 4,02
